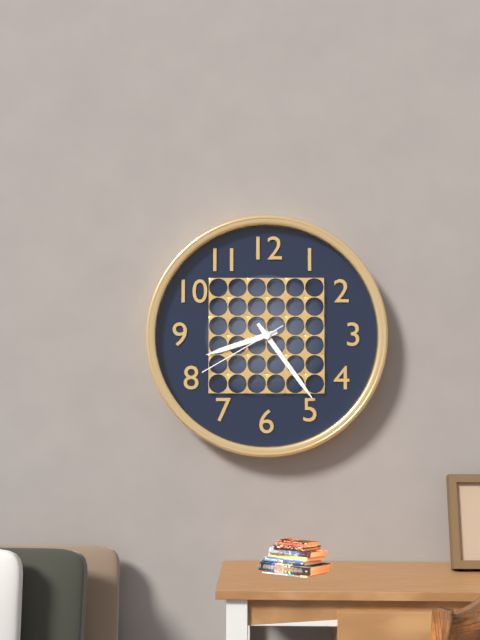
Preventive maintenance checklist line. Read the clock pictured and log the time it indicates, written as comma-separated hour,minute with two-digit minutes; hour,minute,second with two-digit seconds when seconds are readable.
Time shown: 8,24,40
